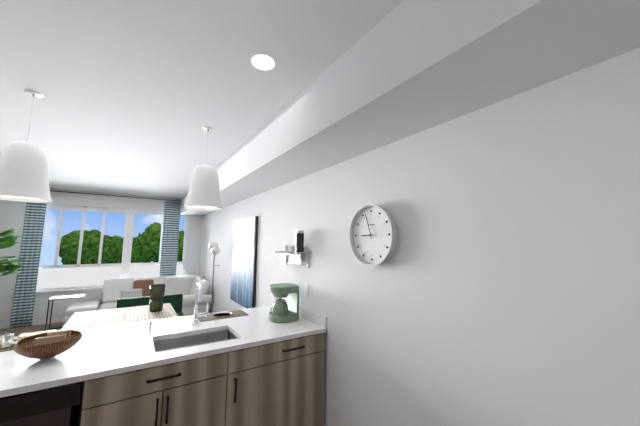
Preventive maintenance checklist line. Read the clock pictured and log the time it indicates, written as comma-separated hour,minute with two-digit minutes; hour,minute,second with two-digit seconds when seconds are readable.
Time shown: 8,57
